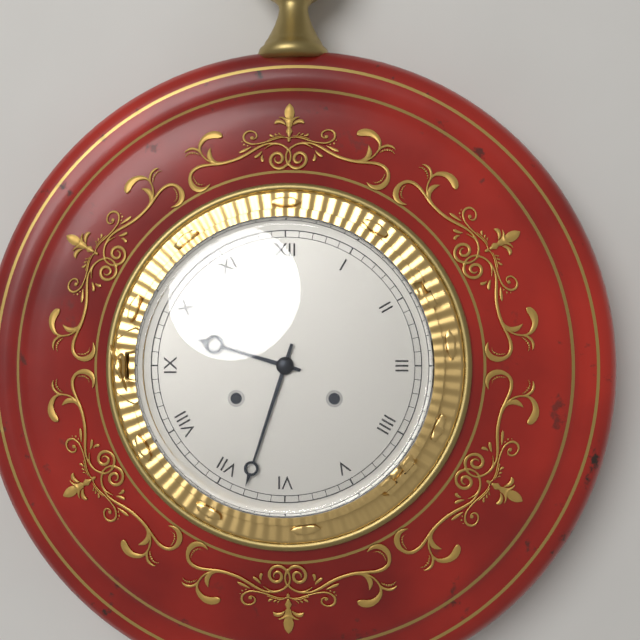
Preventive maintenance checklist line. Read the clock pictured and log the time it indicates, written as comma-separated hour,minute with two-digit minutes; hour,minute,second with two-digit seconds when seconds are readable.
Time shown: 9,33
